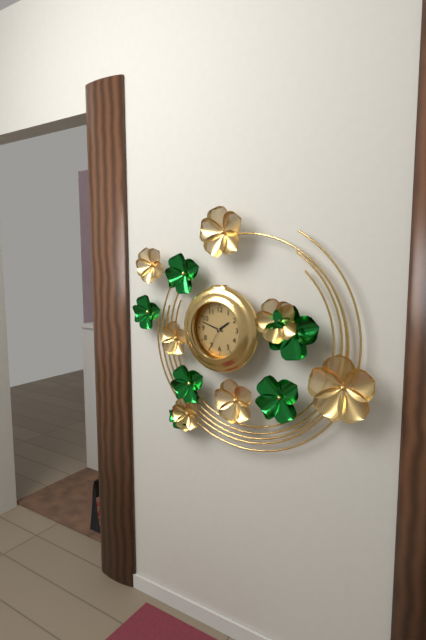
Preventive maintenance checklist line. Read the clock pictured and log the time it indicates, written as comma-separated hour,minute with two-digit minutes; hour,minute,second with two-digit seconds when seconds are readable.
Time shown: 1,48
